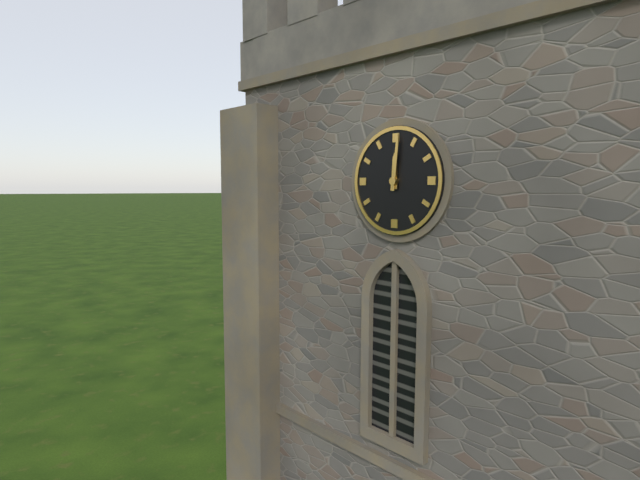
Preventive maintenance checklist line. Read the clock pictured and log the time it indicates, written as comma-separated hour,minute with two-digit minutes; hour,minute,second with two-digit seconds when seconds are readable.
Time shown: 12,01
